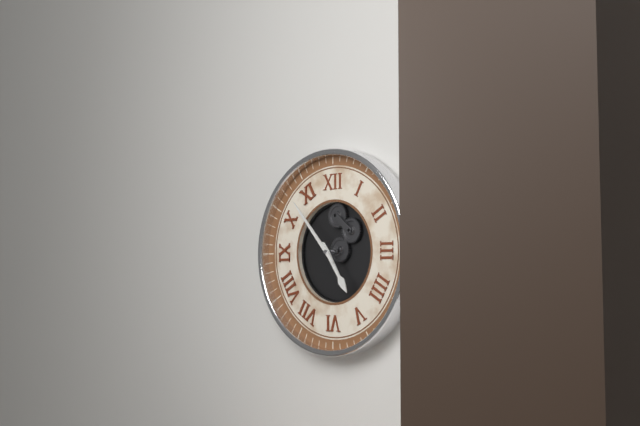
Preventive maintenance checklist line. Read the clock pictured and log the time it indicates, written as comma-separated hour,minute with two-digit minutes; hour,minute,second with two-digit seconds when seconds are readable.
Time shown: 4,53
